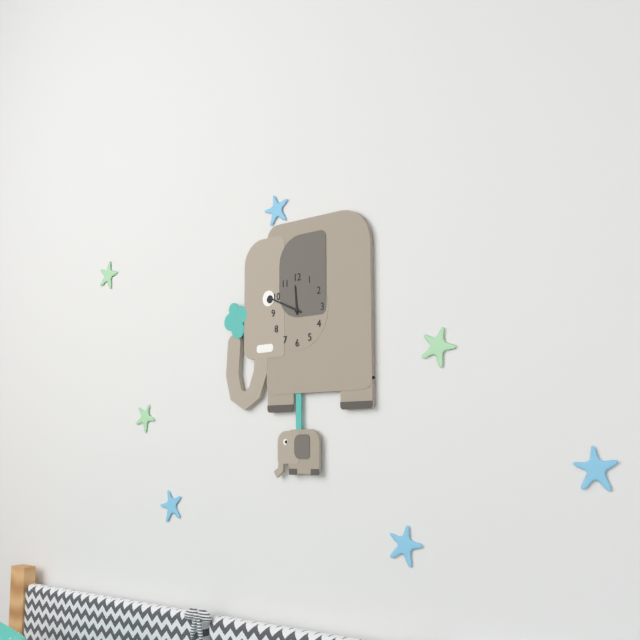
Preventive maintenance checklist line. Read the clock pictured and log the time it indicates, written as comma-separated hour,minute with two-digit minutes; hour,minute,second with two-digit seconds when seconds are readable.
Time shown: 11,49
